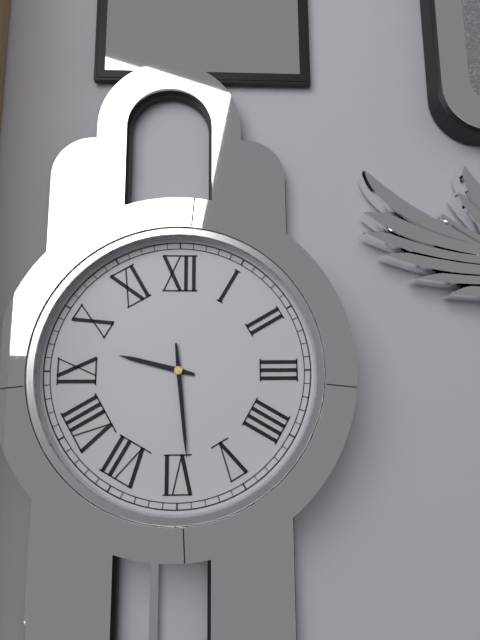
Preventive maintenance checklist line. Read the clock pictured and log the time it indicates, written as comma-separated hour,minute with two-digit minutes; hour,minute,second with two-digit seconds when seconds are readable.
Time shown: 9,29
